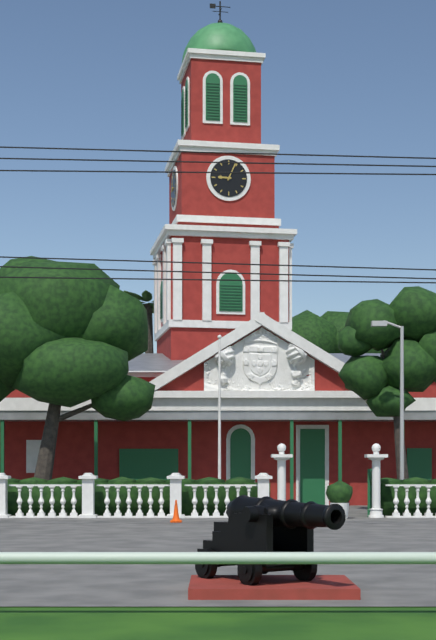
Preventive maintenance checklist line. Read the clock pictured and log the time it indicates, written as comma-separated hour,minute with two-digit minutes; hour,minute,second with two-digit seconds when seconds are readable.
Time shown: 9,04
